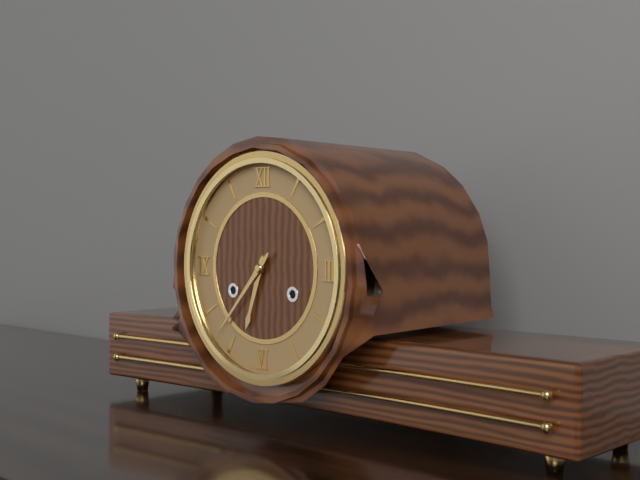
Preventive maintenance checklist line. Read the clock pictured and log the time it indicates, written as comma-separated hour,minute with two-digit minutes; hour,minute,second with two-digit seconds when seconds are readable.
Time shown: 6,37
